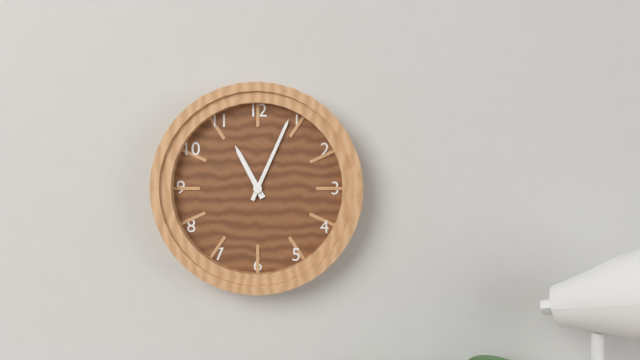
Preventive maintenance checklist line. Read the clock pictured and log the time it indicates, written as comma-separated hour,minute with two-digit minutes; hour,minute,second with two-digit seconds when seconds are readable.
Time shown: 11,04
